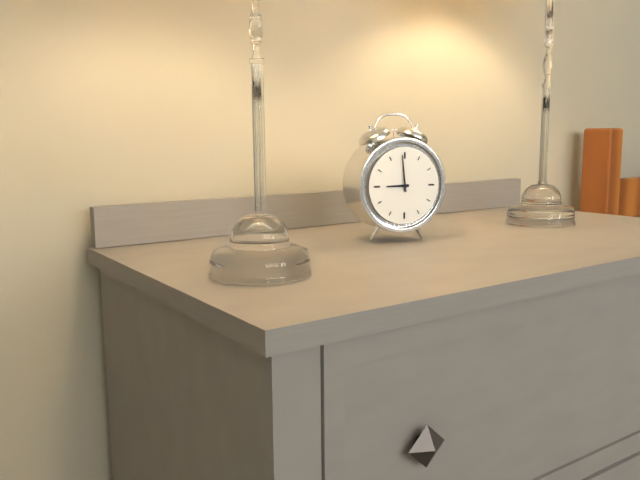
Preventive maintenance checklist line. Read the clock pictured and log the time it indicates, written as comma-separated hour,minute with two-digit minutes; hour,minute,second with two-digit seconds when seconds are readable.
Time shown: 8,59
